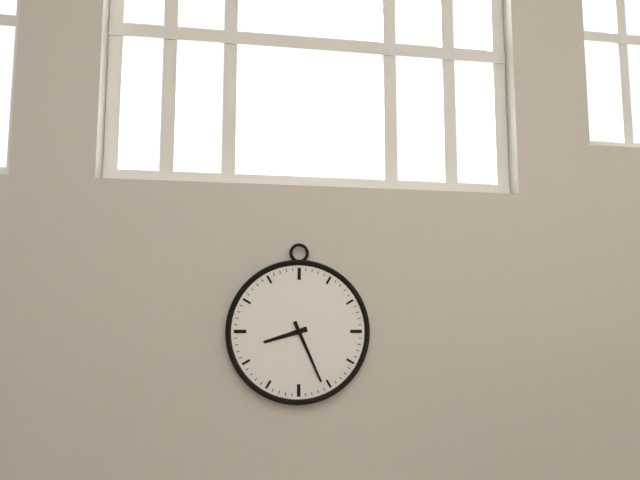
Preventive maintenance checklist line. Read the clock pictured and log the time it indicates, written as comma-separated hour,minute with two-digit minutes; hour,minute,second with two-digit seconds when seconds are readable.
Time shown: 8,26
